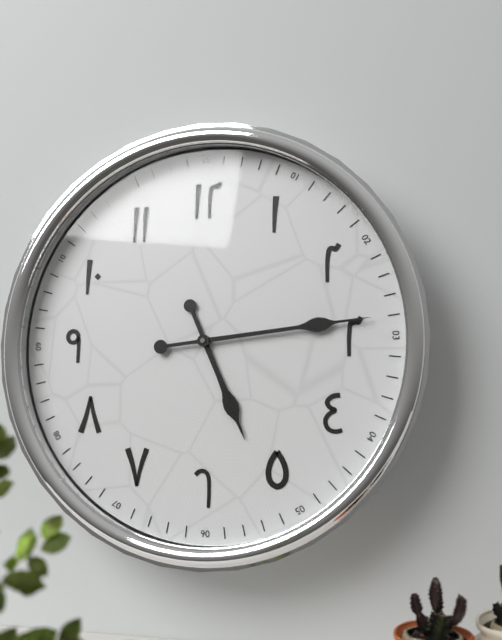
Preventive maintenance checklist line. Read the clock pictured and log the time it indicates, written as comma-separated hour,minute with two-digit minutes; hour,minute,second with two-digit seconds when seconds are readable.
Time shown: 5,14
